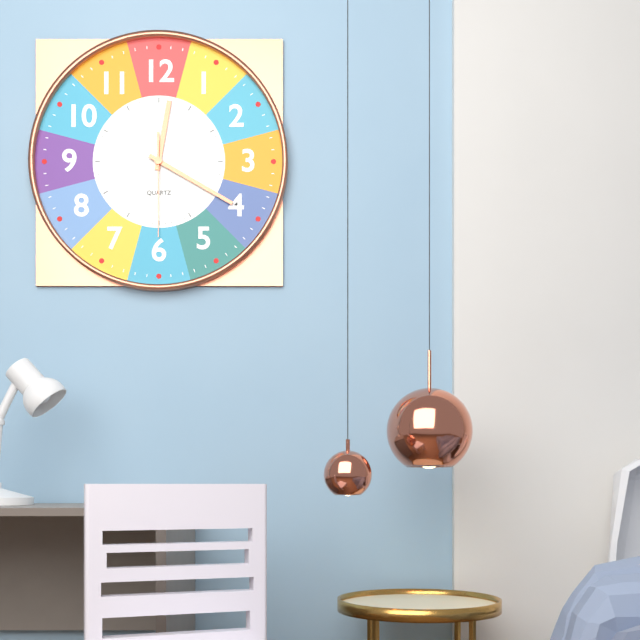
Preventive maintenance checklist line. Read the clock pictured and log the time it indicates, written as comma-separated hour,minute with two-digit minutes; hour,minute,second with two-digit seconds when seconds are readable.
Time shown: 12,20,30
